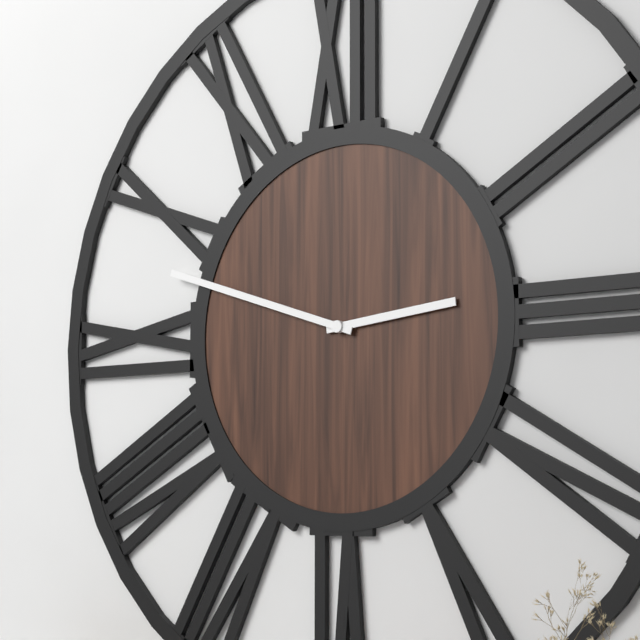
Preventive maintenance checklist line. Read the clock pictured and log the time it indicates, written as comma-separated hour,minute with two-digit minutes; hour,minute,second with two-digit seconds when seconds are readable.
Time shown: 2,48
